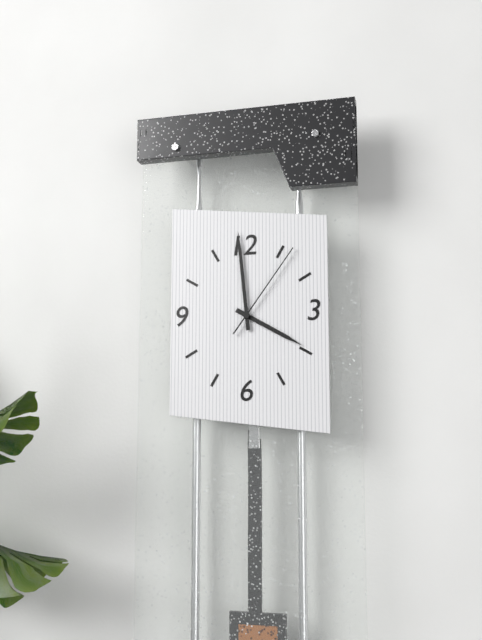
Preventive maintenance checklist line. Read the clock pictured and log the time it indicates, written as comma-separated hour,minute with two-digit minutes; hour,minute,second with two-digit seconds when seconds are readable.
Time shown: 3,59,06
